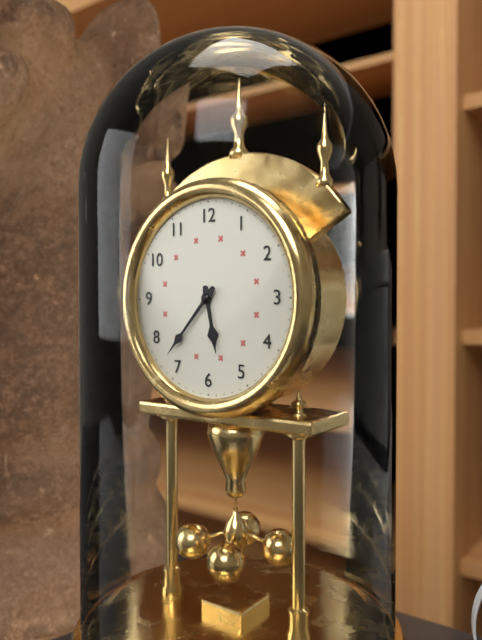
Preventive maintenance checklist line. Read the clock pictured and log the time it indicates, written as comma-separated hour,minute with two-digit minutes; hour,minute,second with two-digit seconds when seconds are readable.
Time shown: 5,37
